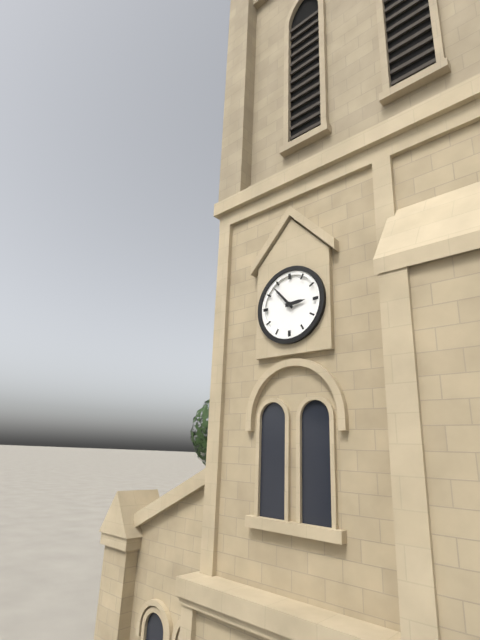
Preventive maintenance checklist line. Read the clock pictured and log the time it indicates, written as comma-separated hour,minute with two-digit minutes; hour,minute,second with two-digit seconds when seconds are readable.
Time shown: 2,53
